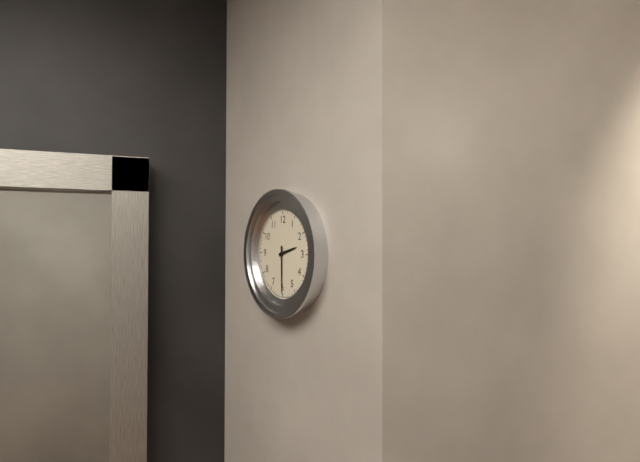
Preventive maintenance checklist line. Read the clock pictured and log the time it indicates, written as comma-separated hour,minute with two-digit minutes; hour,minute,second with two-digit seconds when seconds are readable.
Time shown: 2,30
